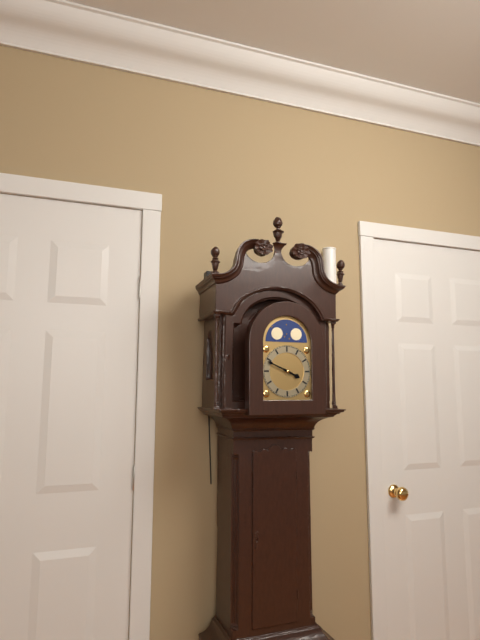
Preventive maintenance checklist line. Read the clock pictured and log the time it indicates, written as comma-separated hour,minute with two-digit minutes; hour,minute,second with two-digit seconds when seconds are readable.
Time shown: 3,49
